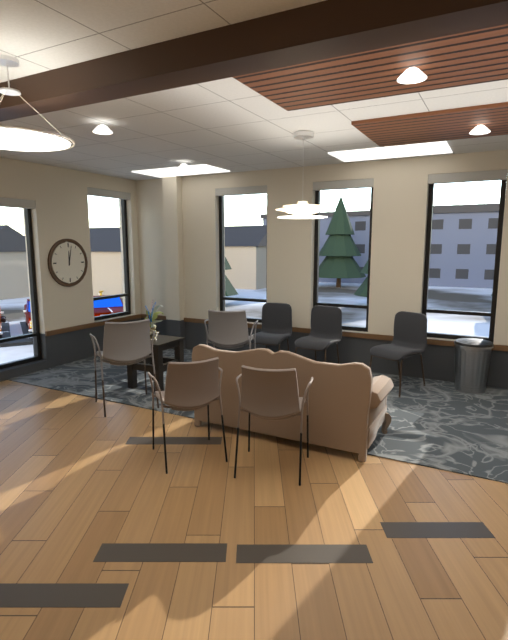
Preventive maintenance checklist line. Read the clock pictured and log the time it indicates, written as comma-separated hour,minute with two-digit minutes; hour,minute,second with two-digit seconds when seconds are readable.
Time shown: 12,02
